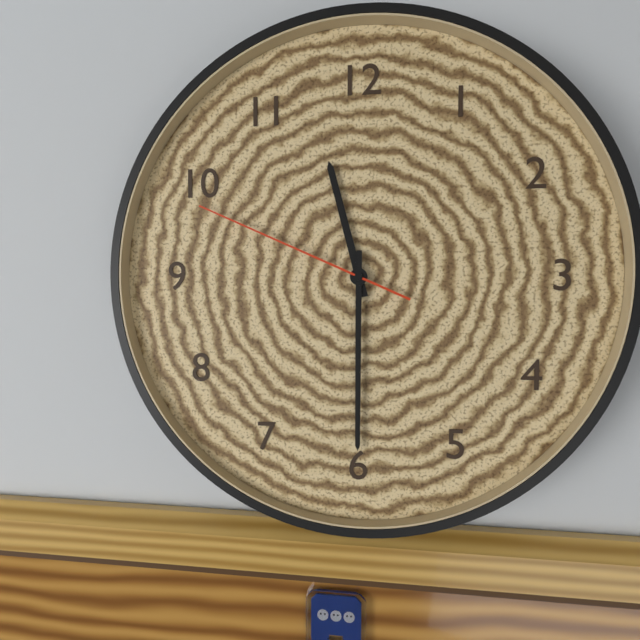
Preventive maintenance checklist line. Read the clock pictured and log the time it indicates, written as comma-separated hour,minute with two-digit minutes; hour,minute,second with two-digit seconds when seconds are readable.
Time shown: 11,30,49
